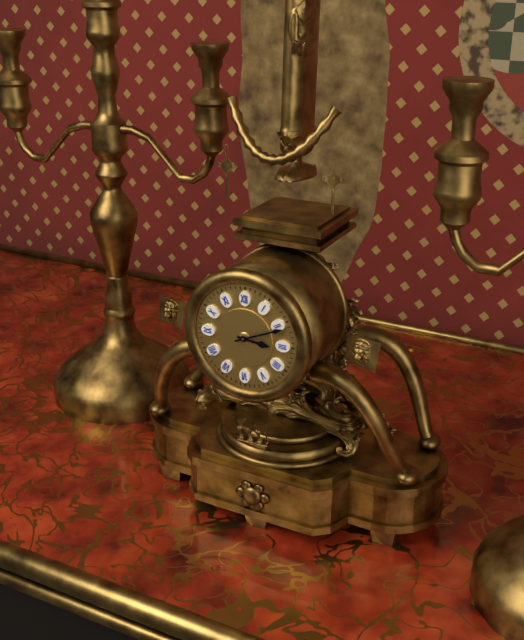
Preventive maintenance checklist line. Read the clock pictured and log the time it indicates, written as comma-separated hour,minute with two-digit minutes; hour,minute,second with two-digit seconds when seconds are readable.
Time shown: 3,11
